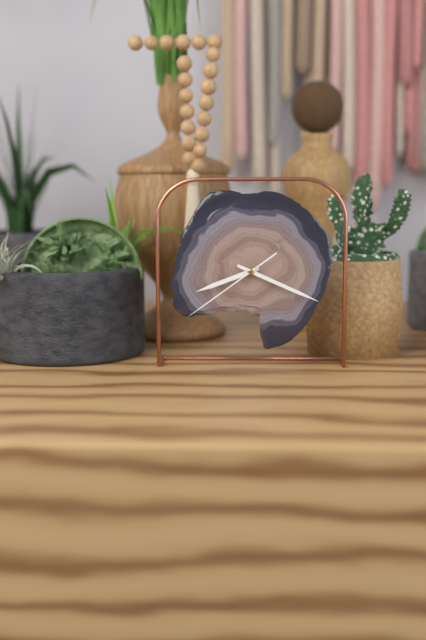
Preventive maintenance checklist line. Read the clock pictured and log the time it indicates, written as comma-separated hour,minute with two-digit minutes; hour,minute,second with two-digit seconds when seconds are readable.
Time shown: 8,19,39
